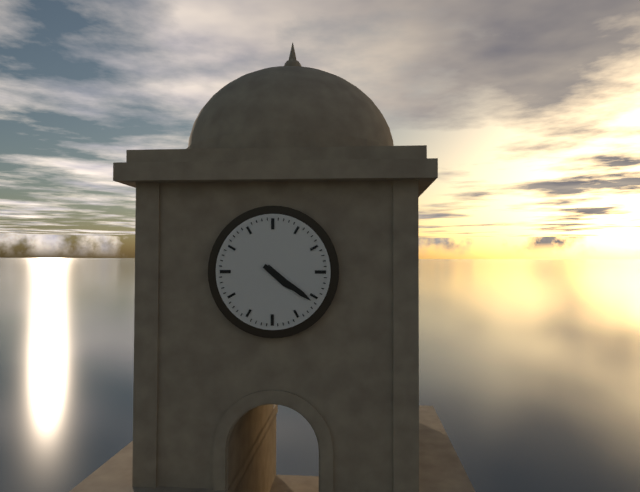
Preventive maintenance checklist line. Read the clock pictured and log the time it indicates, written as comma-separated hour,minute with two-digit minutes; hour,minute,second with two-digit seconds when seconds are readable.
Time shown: 4,21
